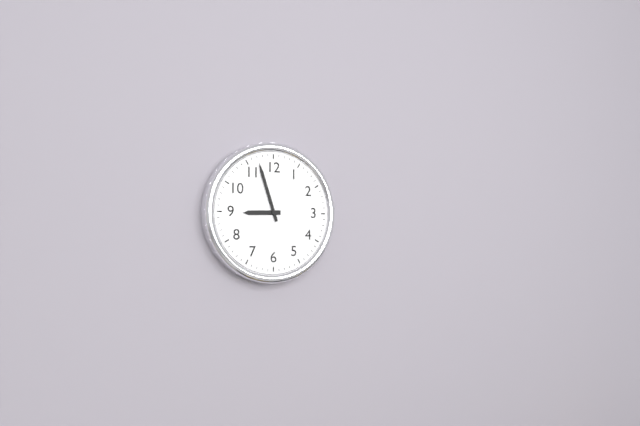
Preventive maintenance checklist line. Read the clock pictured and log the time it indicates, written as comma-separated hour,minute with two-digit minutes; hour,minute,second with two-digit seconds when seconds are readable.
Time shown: 8,57
